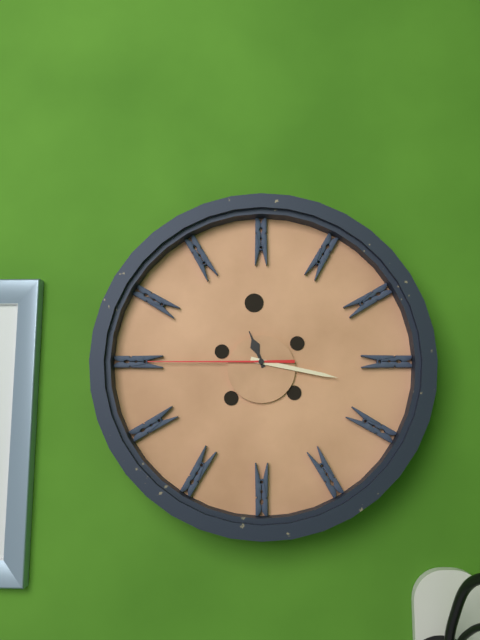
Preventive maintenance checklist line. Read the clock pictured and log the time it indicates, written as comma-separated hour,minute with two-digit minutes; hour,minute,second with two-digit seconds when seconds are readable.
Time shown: 11,17,45
